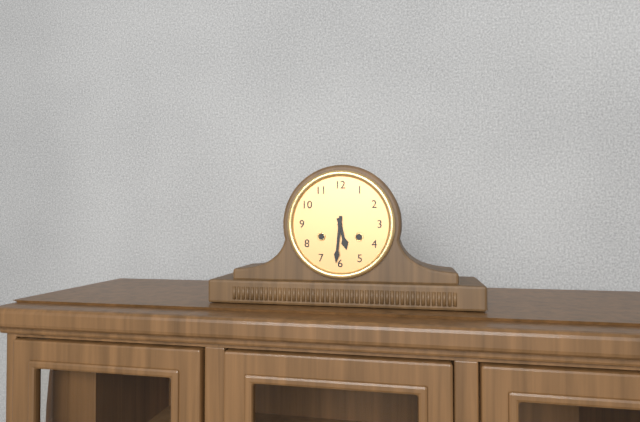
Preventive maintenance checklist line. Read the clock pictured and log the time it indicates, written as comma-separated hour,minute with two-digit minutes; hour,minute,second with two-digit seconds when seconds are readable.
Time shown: 5,31
